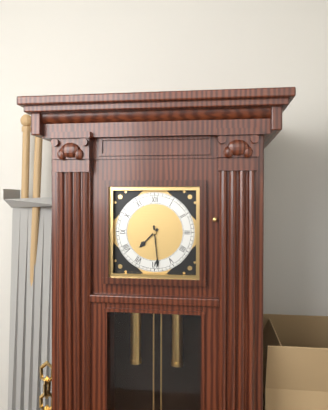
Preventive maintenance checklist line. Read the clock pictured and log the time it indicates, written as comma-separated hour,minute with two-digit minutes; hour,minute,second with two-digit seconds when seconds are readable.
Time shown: 7,29
